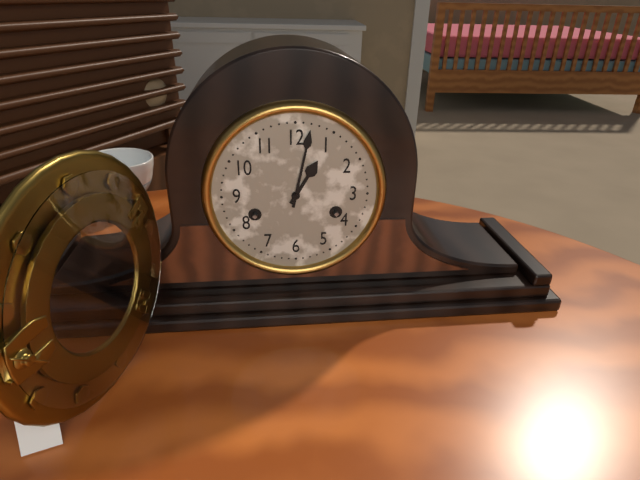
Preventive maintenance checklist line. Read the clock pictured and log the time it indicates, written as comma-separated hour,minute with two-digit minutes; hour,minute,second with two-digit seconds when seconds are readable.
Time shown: 1,02
